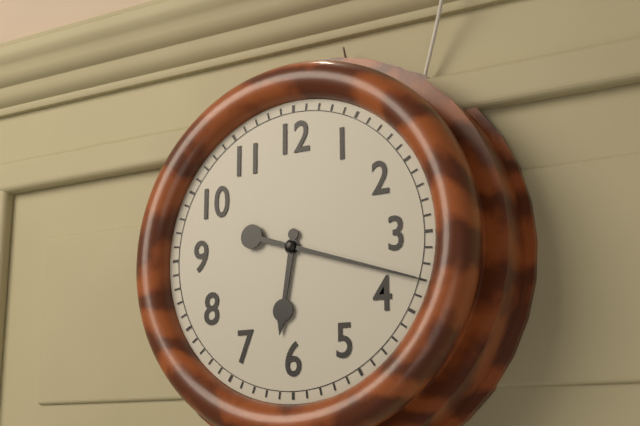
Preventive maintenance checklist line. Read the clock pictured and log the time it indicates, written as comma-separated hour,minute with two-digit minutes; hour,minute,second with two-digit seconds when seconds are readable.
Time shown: 6,18
